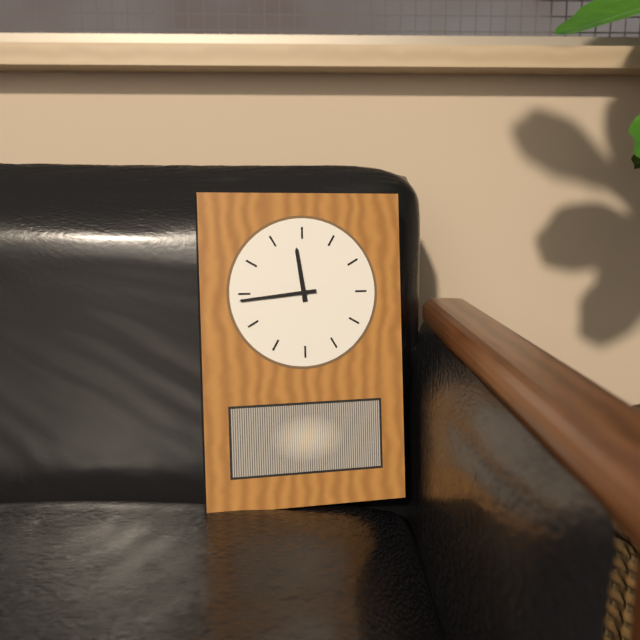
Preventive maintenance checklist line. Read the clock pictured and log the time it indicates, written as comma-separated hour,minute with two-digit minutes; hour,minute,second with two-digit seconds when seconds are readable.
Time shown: 11,44
